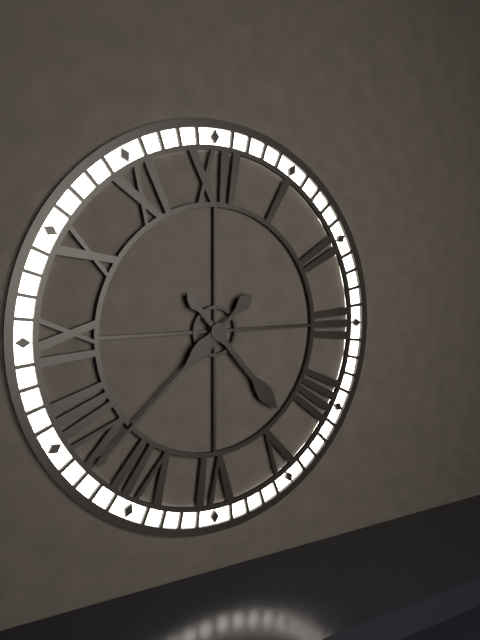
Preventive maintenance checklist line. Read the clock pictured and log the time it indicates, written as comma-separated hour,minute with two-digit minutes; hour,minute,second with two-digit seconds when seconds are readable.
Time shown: 4,38
